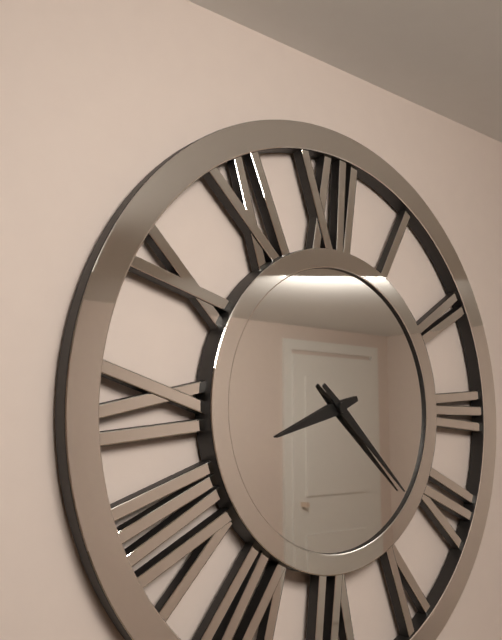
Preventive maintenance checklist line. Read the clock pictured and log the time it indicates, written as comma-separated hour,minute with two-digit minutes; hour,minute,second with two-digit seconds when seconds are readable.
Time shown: 8,22
